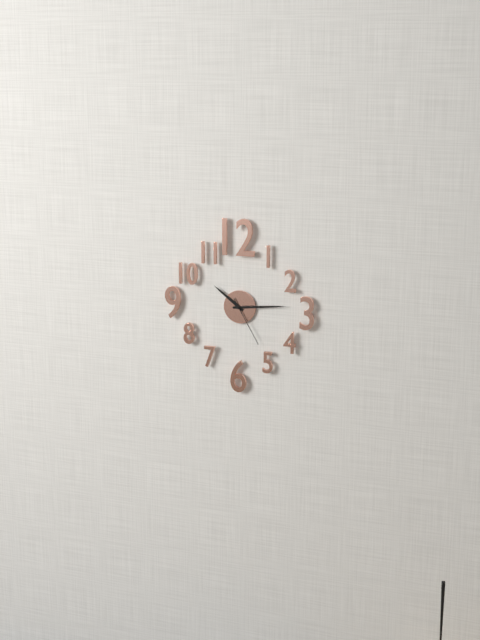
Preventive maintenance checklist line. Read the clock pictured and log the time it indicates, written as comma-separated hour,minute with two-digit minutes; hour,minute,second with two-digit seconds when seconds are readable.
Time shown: 10,14,25
